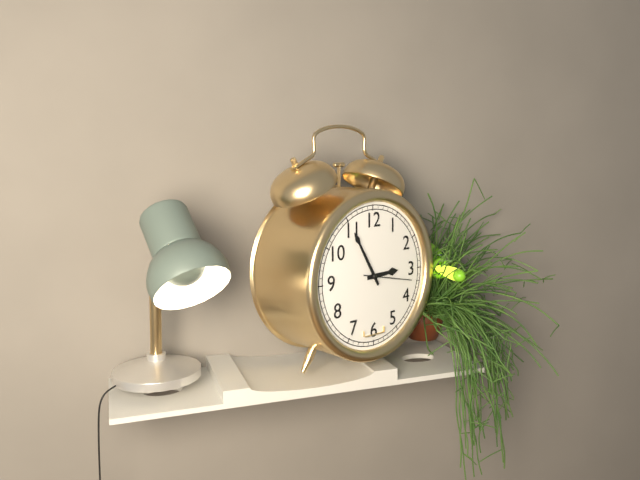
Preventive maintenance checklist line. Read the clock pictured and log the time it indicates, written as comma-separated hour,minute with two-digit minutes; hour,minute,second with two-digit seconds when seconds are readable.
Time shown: 2,55
